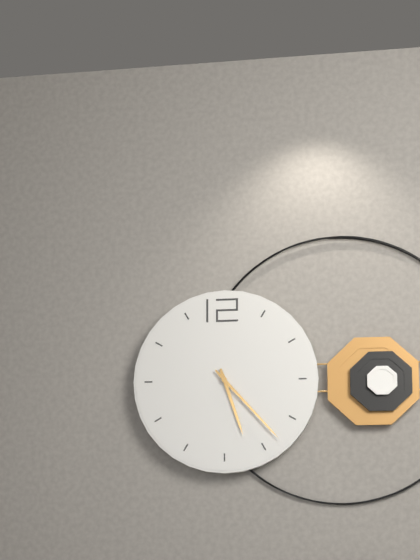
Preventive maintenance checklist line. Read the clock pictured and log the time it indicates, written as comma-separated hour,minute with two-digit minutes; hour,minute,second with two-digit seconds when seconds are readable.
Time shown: 5,23
